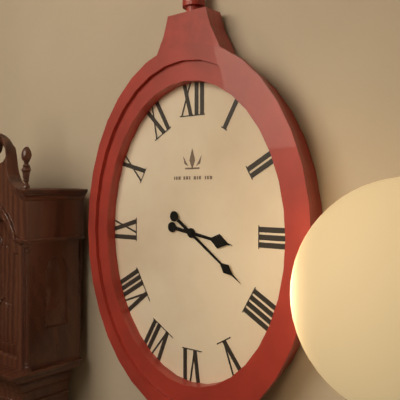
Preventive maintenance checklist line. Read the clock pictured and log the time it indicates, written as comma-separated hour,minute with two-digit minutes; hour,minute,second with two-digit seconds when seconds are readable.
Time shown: 3,21
